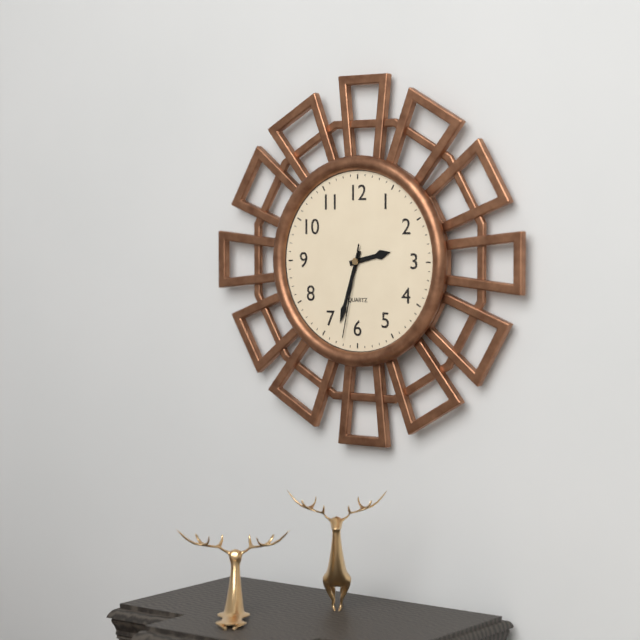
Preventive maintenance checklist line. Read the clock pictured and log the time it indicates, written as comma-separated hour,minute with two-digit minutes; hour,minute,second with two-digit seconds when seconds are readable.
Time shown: 2,33,32
